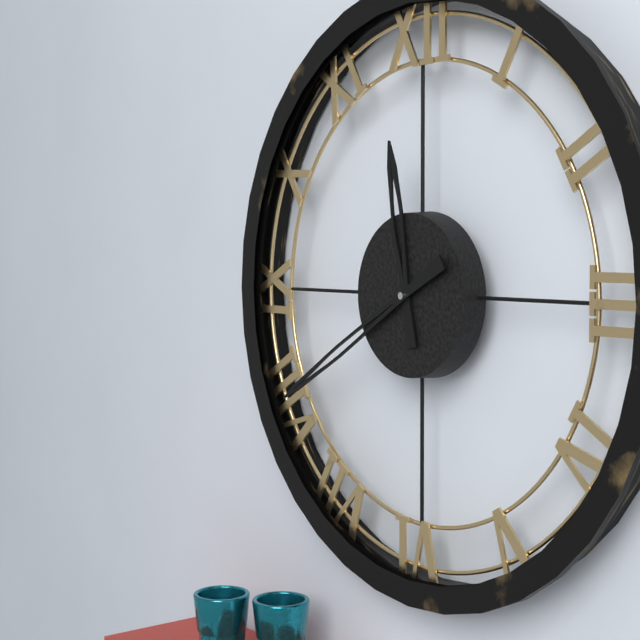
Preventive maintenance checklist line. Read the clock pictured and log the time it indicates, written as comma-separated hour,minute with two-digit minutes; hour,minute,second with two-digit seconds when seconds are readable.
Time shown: 11,40
